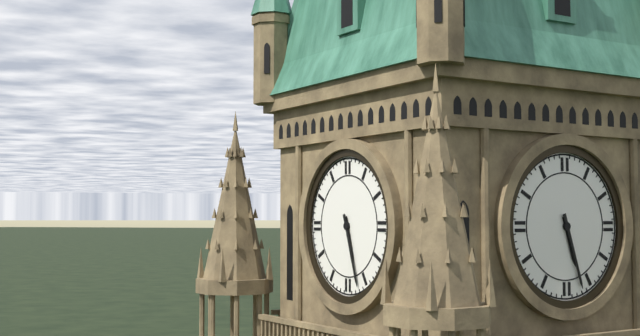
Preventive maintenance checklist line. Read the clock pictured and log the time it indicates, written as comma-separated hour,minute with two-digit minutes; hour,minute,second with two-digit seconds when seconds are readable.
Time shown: 5,27
